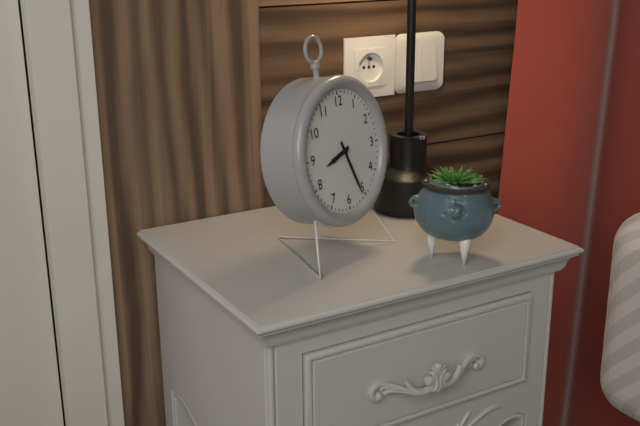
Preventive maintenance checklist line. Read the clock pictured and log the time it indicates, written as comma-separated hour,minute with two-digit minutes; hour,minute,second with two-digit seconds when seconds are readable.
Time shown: 8,26
